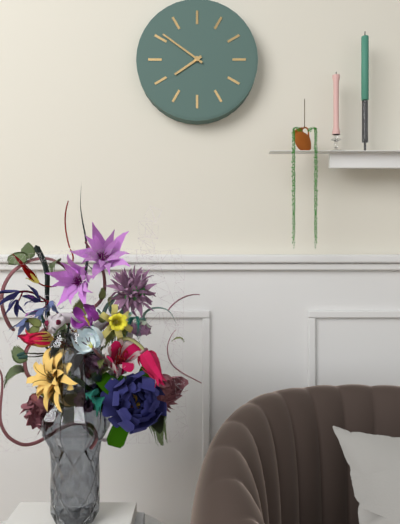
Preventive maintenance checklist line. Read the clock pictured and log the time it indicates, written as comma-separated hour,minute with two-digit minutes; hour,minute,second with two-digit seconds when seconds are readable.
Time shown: 7,51
